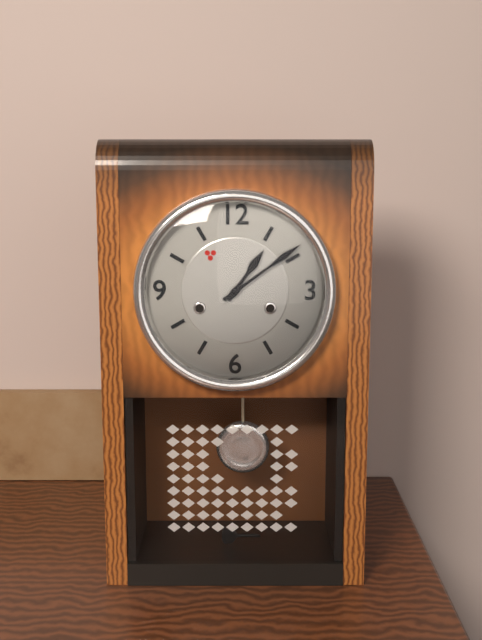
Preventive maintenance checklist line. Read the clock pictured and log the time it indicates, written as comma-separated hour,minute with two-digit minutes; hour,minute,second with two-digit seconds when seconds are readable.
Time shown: 1,09
